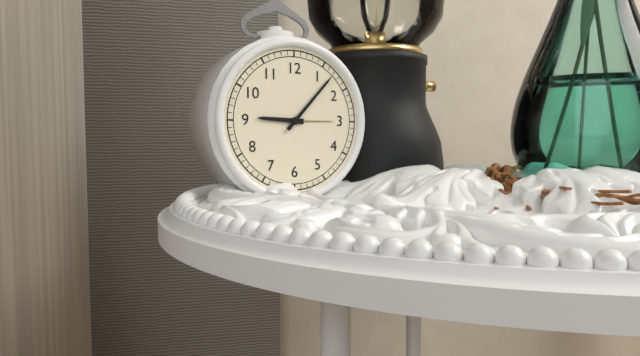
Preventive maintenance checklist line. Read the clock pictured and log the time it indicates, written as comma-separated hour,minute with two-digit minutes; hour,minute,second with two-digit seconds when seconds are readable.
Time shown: 9,07
